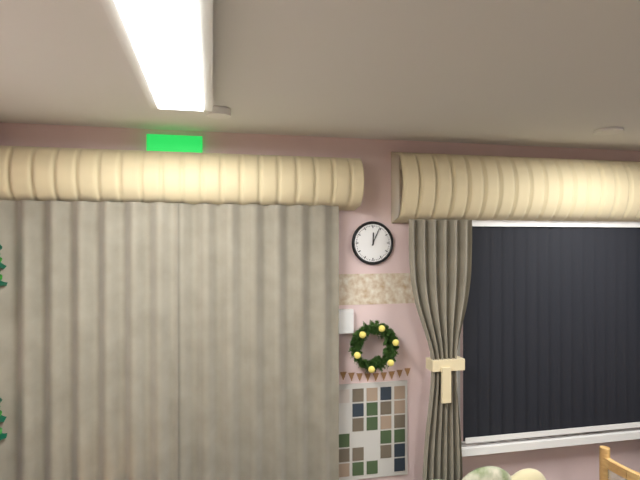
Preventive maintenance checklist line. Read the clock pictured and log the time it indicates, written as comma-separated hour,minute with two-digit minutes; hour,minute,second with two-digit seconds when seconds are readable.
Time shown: 12,04
